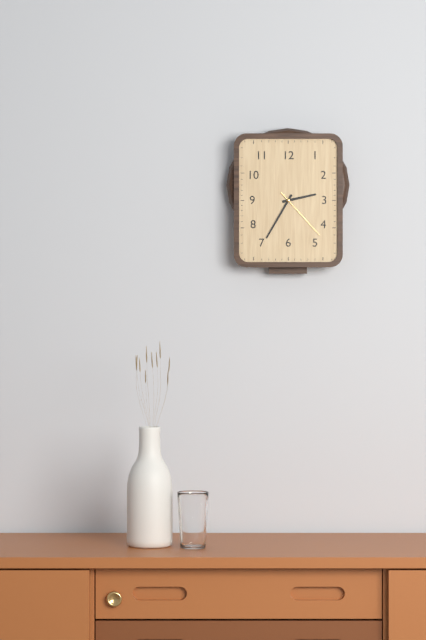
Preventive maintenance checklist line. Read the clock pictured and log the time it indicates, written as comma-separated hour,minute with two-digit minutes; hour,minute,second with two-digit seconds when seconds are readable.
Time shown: 2,35,23
